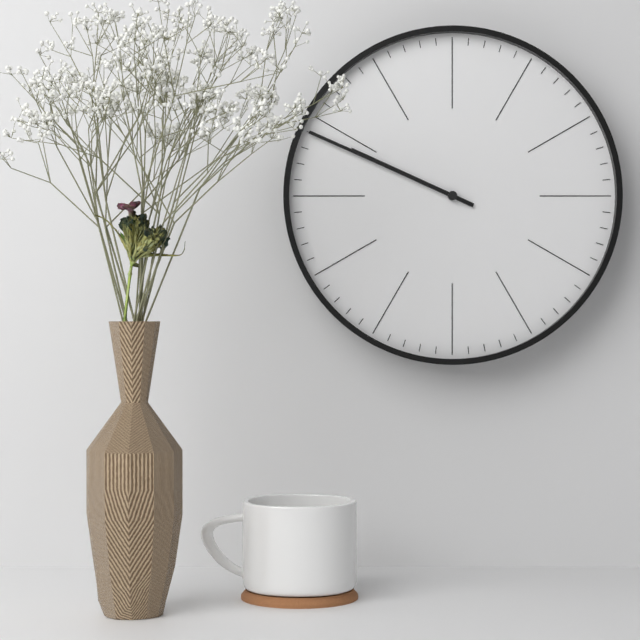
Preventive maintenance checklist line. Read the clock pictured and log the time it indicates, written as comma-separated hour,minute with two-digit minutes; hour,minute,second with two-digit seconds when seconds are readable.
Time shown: 9,49
